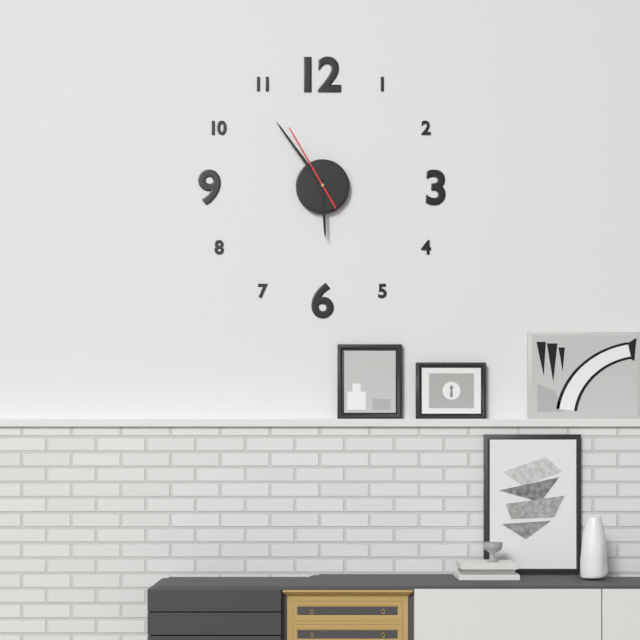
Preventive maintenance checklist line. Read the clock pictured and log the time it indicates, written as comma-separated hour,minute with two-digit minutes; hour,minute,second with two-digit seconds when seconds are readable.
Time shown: 5,54,55
